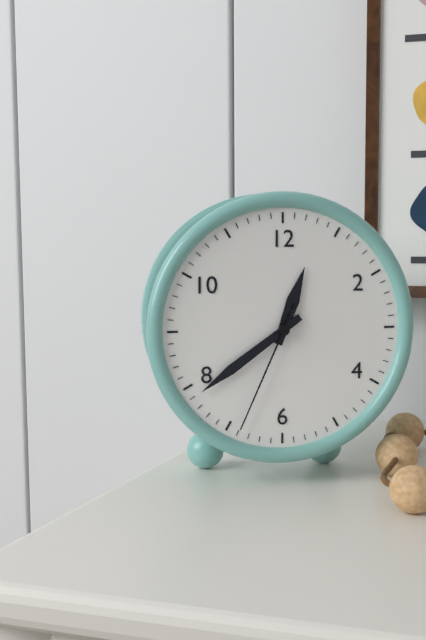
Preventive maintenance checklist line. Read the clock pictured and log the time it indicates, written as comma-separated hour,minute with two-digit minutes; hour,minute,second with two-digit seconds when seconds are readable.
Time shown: 12,39,34
